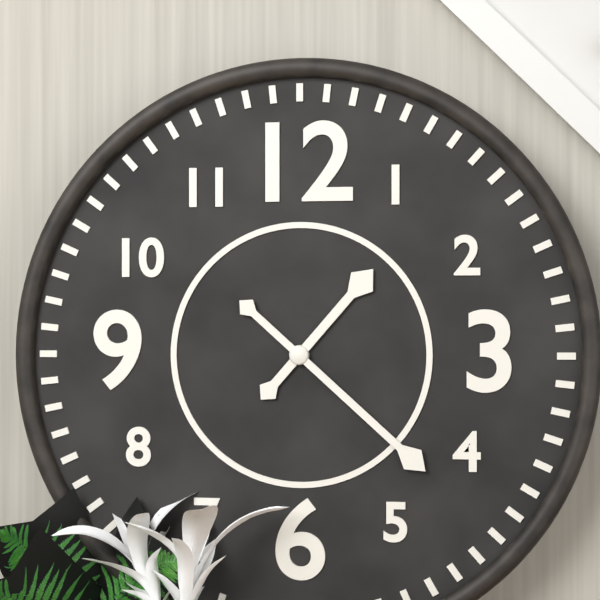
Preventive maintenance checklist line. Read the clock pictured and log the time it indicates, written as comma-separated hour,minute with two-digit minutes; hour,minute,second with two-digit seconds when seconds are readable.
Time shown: 1,22
